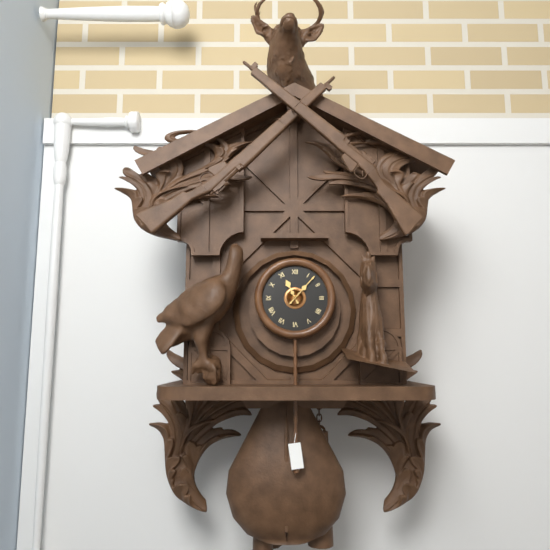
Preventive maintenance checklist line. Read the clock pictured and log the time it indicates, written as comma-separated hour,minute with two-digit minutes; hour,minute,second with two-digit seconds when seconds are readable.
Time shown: 11,07
